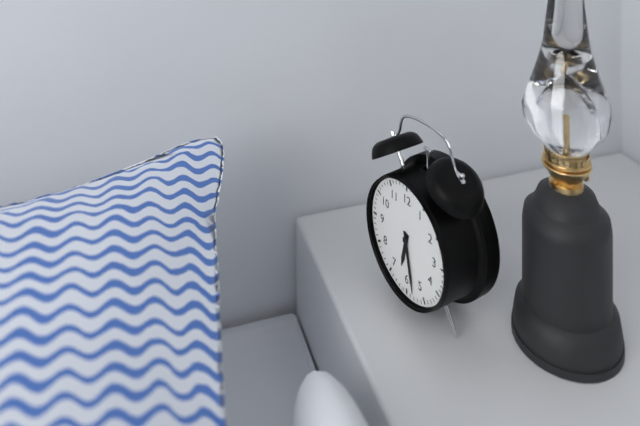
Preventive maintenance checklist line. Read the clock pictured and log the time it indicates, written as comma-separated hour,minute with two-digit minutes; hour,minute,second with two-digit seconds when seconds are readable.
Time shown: 6,28
